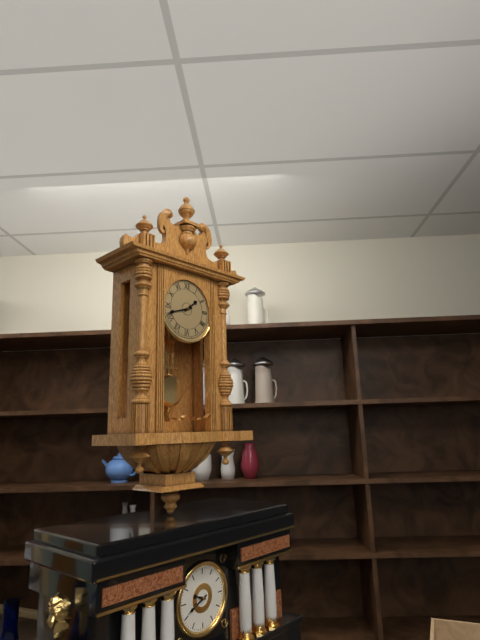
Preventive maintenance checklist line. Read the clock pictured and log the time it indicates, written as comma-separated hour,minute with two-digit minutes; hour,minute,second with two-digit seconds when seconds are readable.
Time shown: 1,42
